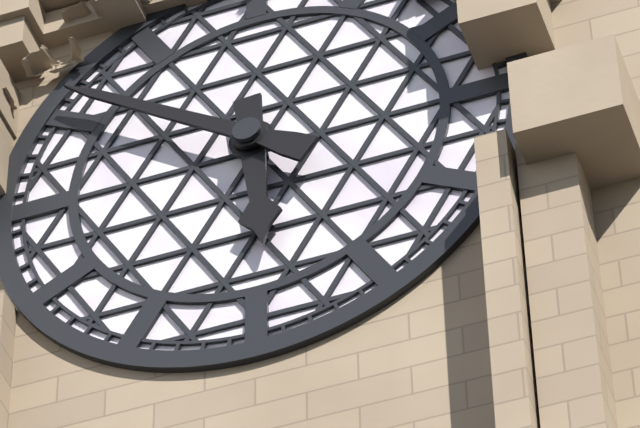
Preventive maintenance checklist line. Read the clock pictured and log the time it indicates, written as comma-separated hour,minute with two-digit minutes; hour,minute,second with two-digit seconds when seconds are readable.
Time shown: 5,51
